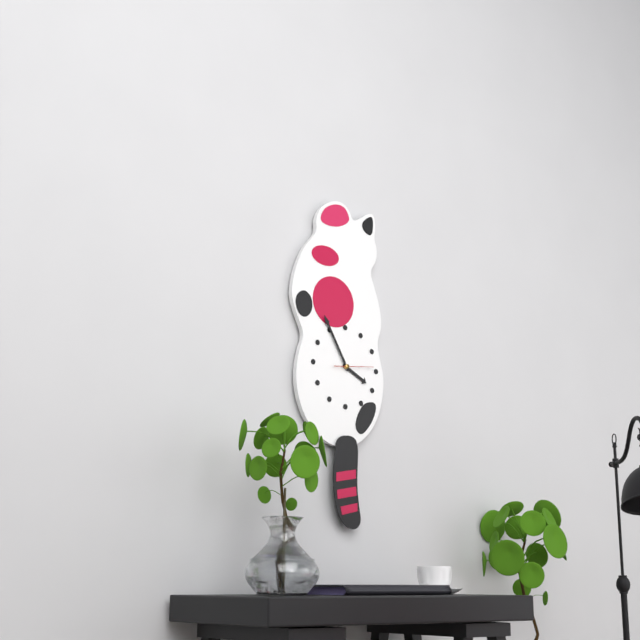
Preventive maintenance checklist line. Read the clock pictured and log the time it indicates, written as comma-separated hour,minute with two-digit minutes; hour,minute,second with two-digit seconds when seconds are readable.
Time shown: 3,55
